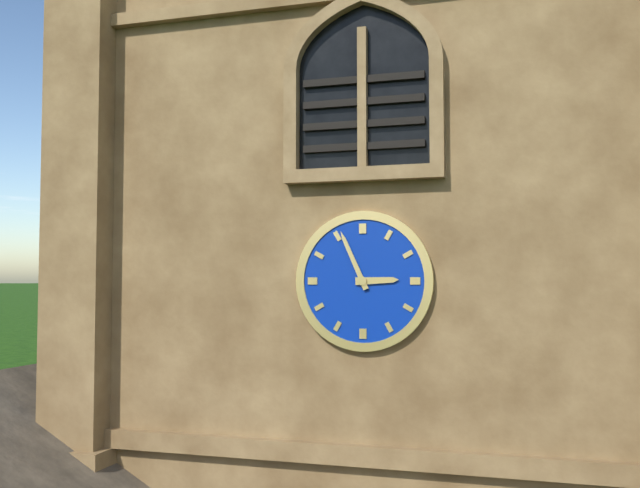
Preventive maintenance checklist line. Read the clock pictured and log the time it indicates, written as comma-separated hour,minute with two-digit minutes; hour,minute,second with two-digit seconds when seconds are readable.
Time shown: 2,56
